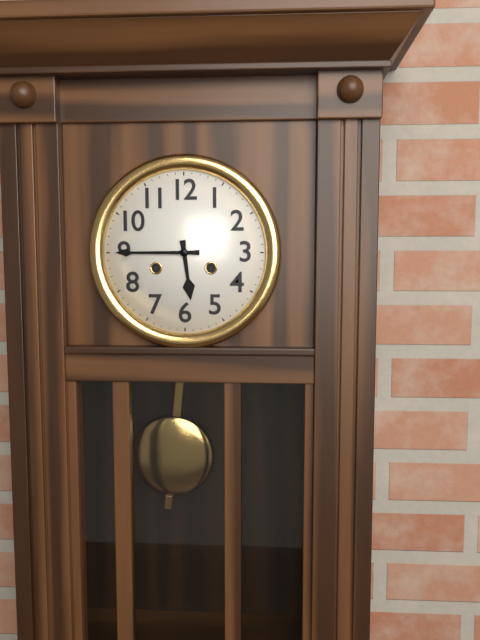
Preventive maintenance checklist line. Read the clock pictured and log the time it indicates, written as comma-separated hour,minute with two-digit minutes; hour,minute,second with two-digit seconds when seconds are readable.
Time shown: 5,45
